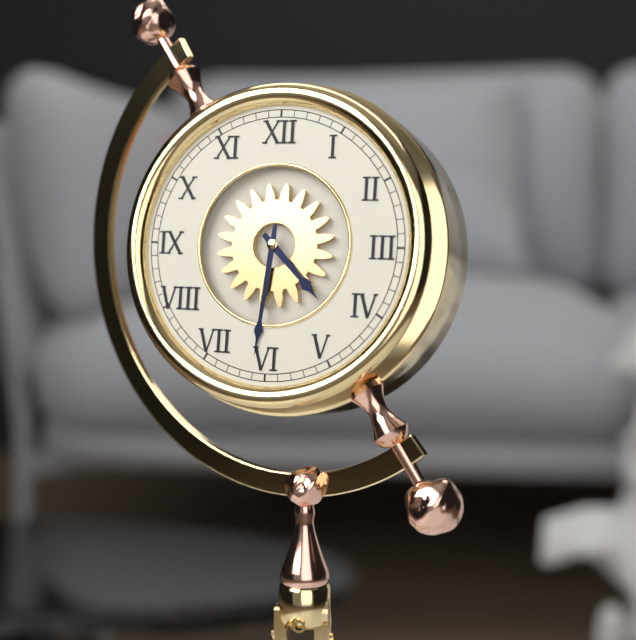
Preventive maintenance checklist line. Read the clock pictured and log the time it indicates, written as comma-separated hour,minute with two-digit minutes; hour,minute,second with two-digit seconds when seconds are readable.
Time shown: 4,31
